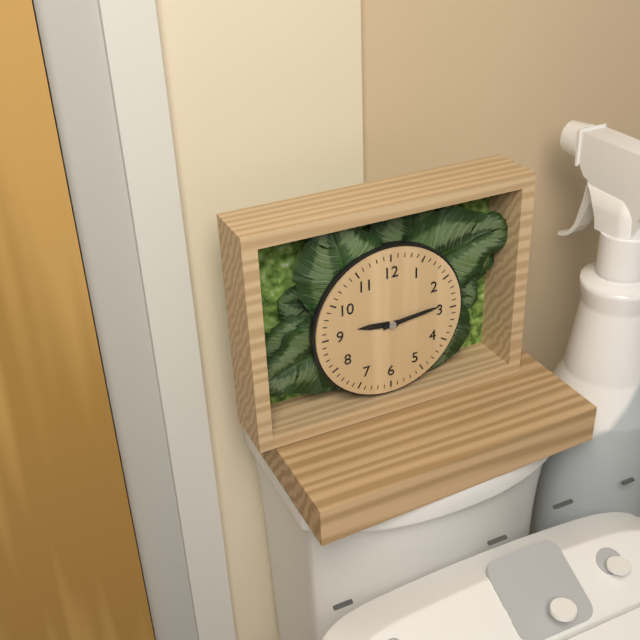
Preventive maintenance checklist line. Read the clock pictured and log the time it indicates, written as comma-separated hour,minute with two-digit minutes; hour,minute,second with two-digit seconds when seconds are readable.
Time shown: 9,14
